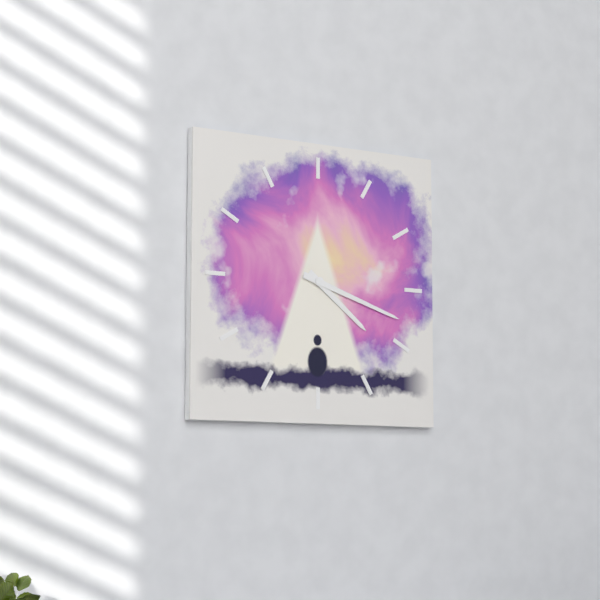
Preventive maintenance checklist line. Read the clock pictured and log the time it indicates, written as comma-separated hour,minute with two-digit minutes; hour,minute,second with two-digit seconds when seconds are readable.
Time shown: 4,18
